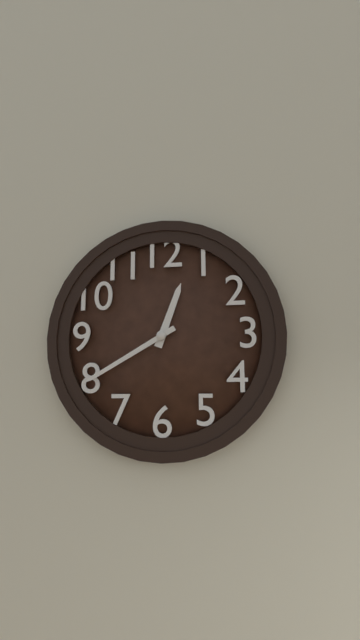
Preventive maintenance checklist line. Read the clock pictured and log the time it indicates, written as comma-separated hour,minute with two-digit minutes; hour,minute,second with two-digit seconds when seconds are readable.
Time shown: 12,40
